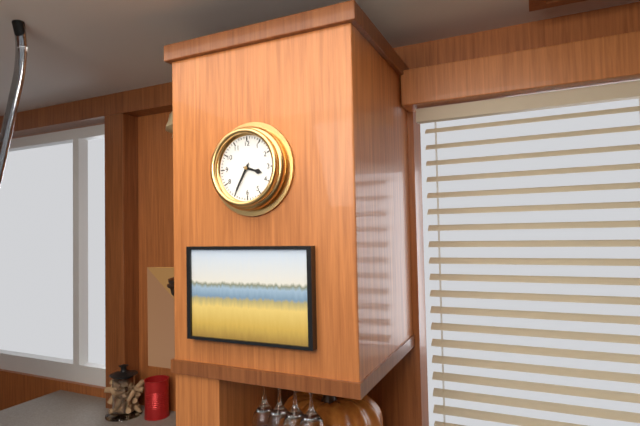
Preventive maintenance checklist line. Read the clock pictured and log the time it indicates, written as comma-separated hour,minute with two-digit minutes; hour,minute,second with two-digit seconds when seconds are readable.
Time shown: 3,35
